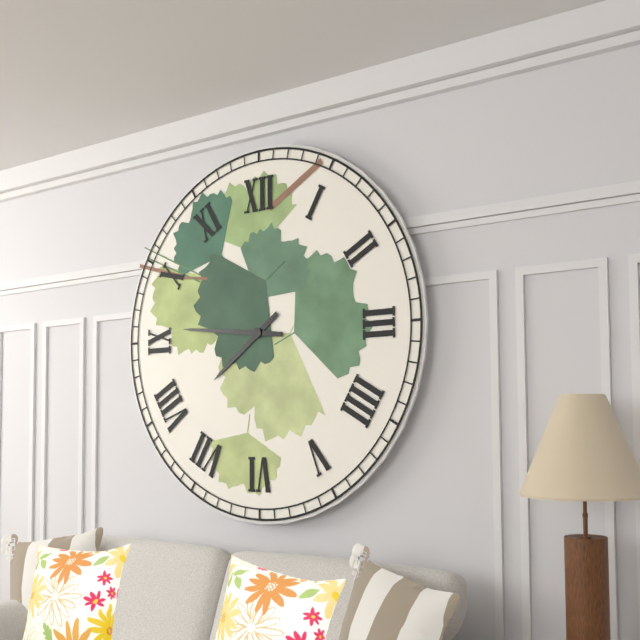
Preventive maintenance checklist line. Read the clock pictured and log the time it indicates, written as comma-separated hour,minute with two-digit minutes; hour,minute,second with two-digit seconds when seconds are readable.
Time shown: 7,46
